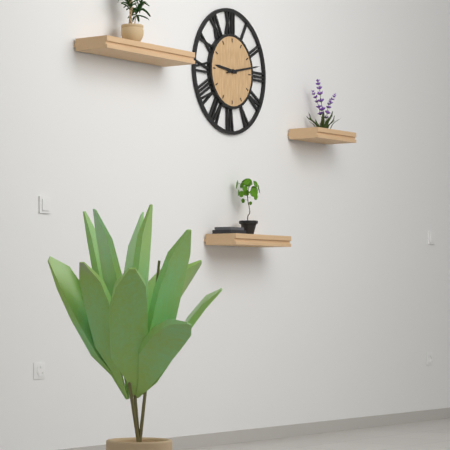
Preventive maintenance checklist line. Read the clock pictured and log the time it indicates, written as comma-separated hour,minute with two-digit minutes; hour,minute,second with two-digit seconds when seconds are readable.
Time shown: 9,13
